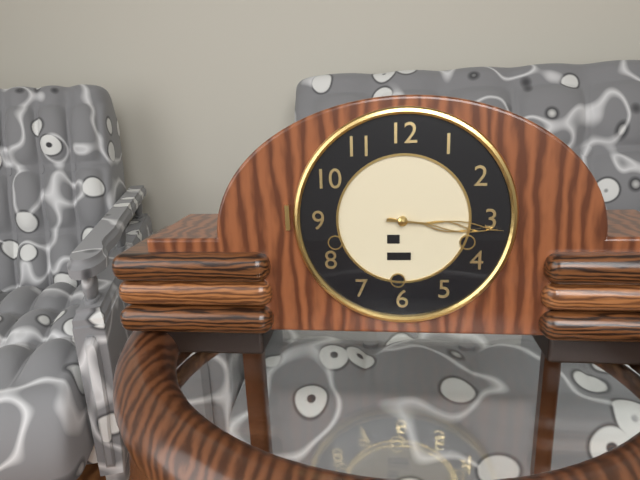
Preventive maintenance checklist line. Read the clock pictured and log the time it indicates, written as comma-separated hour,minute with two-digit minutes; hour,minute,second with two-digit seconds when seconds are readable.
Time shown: 3,16
